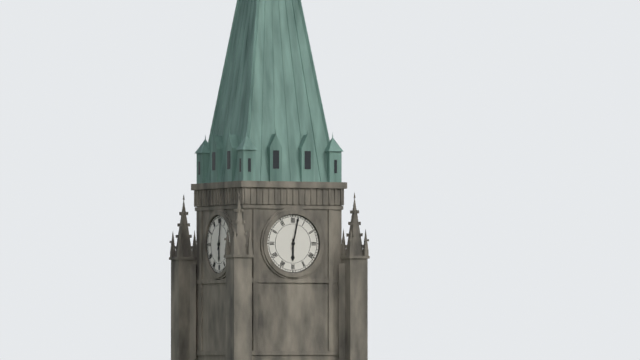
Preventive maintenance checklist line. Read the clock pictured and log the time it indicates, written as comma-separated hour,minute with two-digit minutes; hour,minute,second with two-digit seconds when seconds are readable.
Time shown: 6,02
